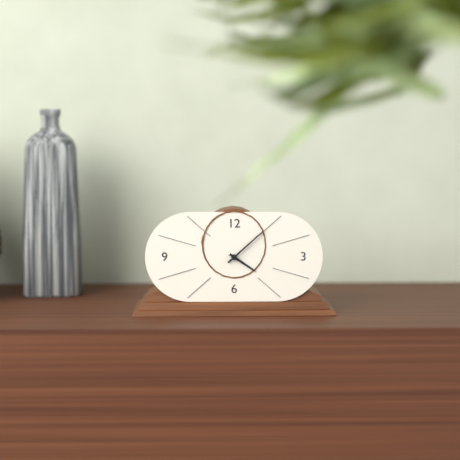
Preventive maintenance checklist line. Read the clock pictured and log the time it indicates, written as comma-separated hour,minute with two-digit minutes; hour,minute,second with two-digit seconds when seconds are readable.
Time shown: 4,08
